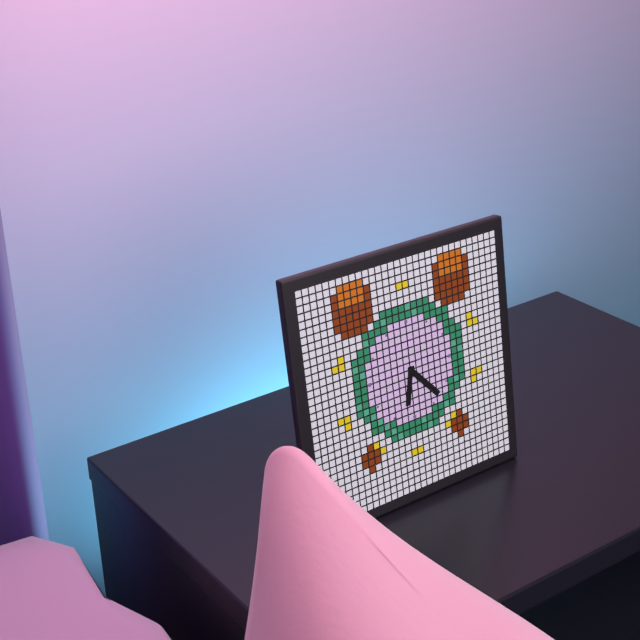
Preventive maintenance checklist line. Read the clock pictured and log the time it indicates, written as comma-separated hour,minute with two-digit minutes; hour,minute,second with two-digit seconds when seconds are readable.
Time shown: 6,23
